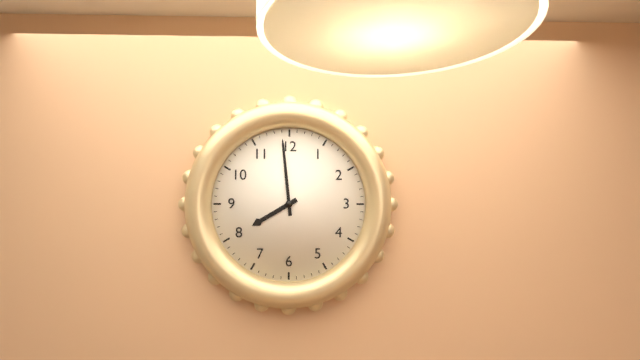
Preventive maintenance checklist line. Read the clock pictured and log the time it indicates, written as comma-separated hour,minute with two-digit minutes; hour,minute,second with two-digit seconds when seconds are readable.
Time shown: 7,59
